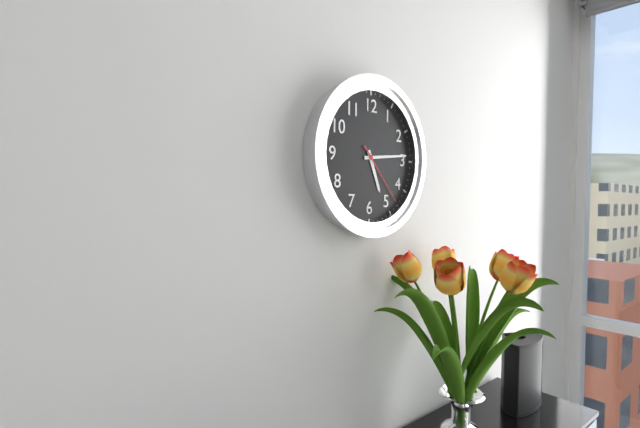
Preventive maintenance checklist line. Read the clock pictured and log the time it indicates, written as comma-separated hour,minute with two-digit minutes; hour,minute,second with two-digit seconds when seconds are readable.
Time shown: 5,14,23
